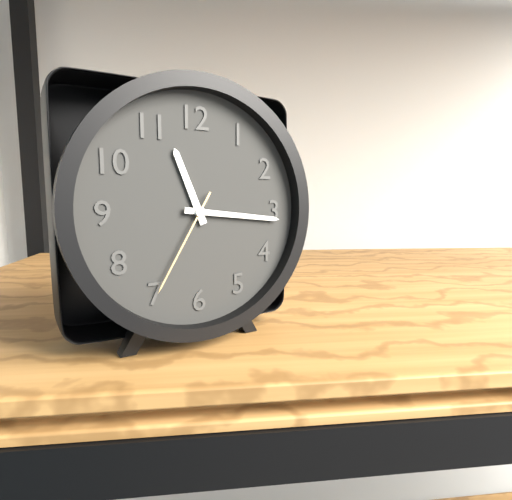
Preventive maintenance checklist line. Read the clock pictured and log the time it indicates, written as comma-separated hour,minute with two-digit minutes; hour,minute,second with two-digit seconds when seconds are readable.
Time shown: 11,16,35
